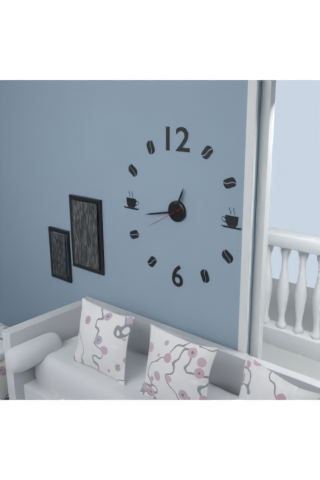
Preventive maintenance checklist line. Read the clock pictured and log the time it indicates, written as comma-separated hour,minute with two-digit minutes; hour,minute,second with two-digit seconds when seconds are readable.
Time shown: 12,43
